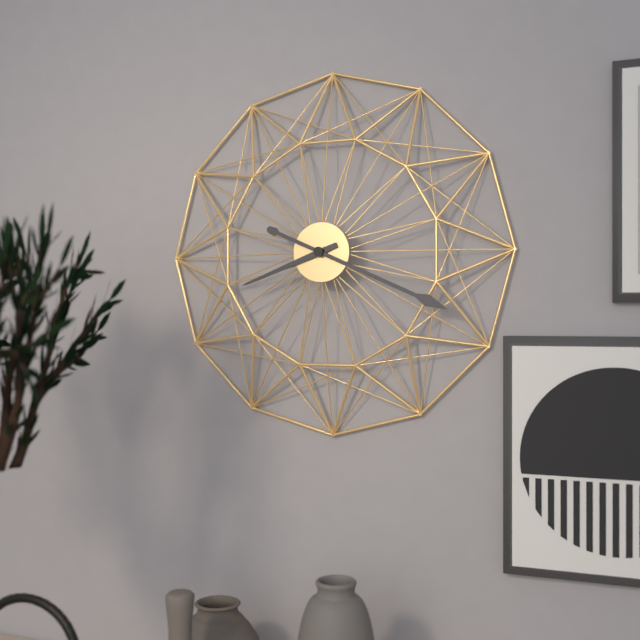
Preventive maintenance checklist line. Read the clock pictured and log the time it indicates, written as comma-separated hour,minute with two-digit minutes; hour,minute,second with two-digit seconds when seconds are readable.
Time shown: 8,19
